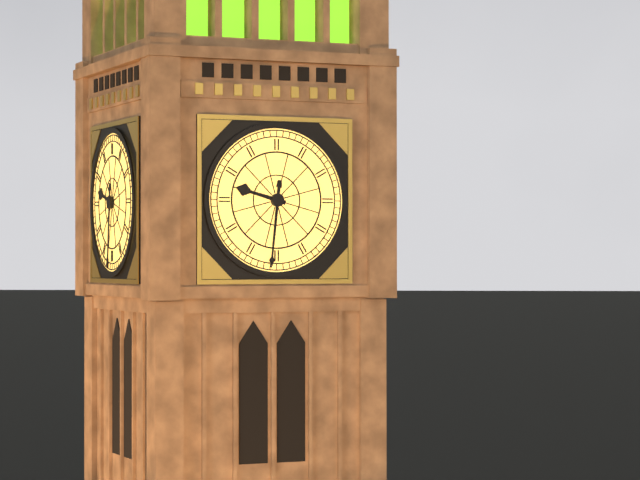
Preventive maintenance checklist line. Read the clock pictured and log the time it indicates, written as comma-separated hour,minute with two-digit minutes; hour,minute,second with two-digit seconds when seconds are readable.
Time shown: 9,31
